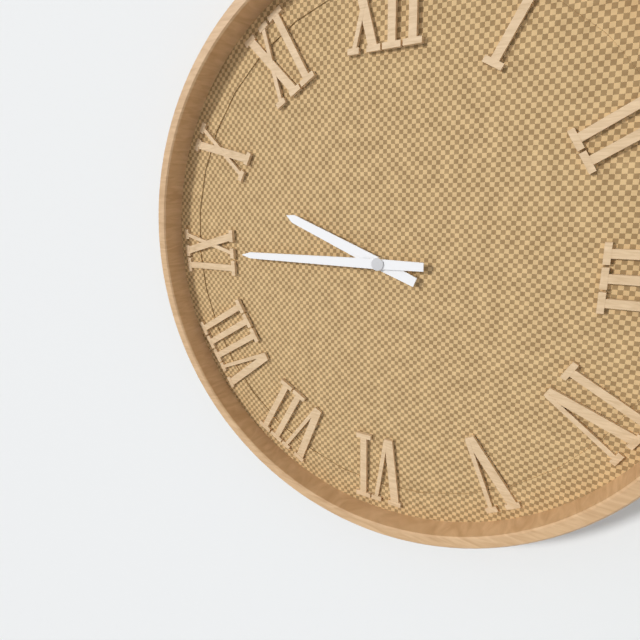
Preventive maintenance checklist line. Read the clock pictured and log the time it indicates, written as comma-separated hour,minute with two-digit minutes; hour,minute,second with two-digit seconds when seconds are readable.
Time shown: 9,45
